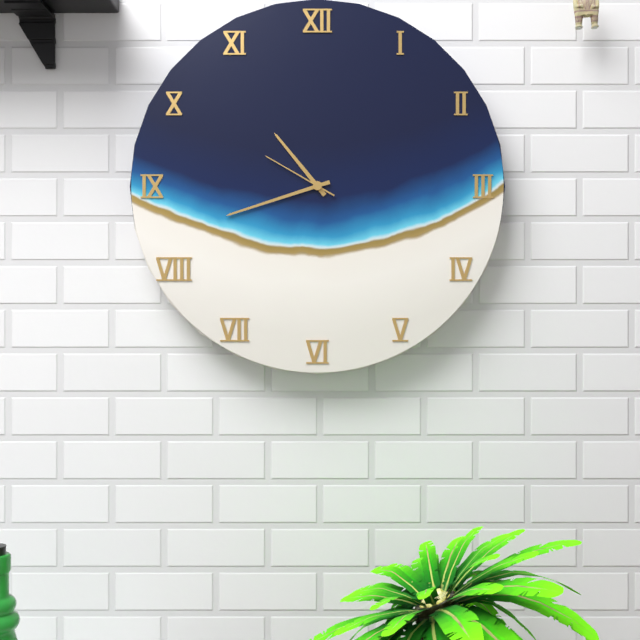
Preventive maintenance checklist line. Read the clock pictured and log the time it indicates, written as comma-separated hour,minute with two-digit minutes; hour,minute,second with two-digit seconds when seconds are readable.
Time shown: 10,42,50
